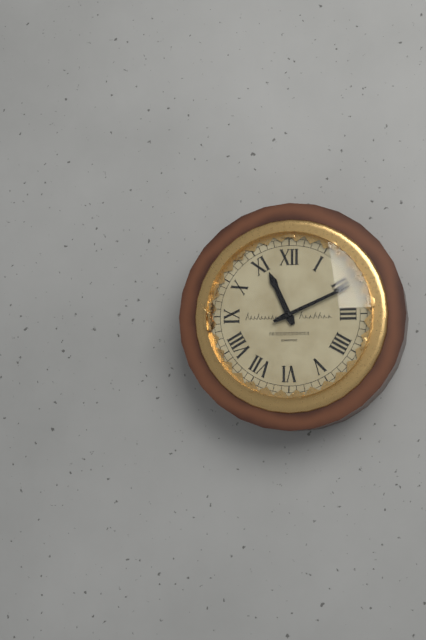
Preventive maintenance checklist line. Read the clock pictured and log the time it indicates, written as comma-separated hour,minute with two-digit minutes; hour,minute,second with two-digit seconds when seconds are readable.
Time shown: 11,11
